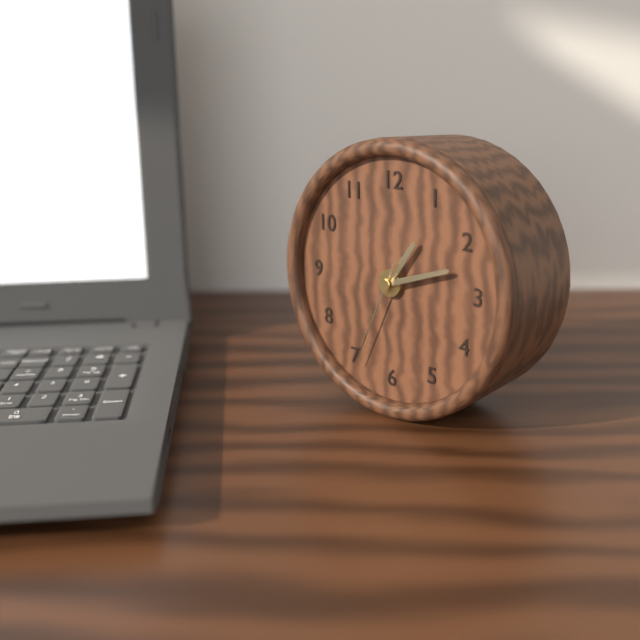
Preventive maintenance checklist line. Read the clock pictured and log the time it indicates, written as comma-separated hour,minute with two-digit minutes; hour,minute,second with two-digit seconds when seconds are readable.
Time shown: 1,12,34
